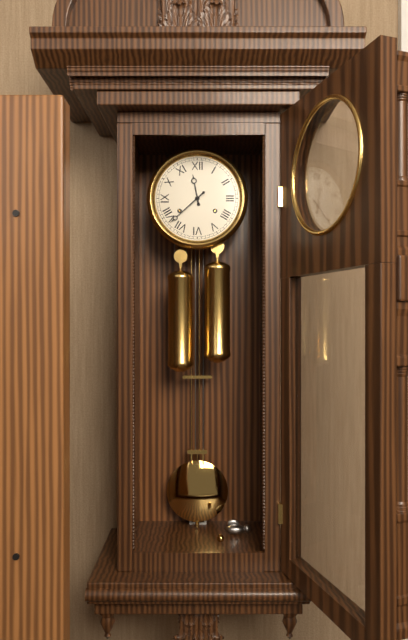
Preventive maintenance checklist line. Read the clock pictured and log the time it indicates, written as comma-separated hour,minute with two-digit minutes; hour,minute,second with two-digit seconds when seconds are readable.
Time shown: 11,38
